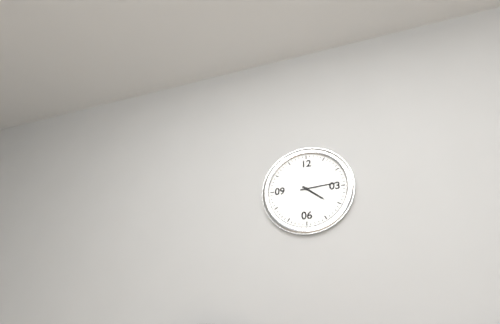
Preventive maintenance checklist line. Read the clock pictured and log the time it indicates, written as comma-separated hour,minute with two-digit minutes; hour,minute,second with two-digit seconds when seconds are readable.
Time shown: 4,14
